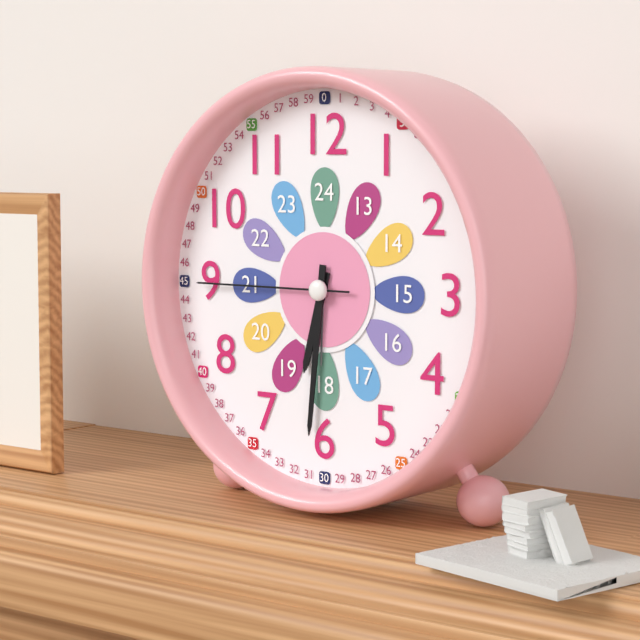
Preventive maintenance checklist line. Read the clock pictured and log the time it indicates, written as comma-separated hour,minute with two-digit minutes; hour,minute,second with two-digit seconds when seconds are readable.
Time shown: 6,31,45
